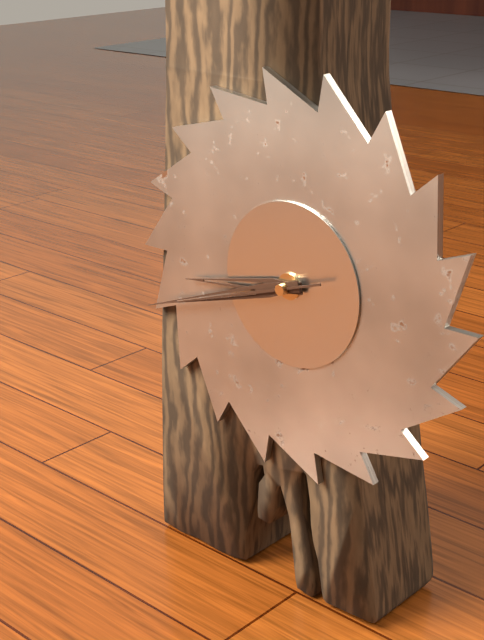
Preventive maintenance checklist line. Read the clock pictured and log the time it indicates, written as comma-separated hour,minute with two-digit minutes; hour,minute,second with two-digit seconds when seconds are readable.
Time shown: 8,42,42
